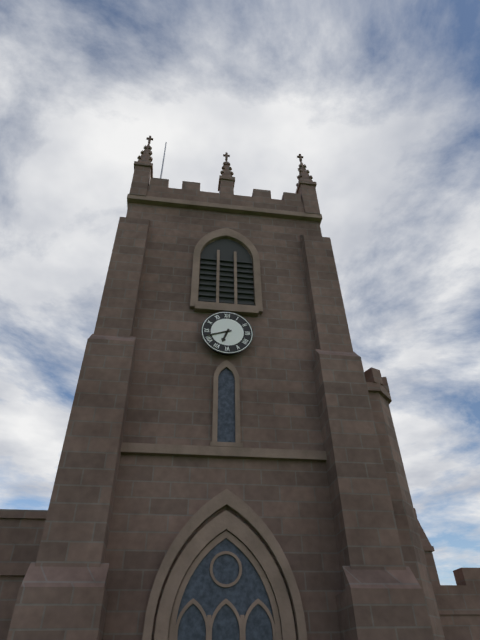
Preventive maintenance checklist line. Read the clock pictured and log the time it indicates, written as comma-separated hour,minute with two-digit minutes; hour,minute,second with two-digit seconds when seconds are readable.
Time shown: 6,42
